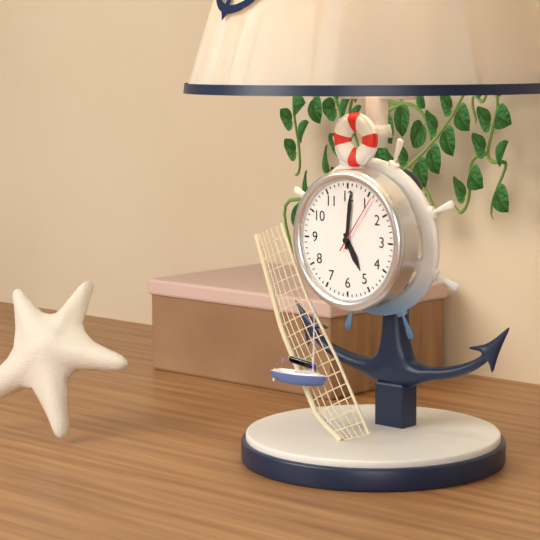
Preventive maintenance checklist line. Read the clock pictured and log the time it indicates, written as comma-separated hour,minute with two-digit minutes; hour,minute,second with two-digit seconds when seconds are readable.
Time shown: 5,01,06
